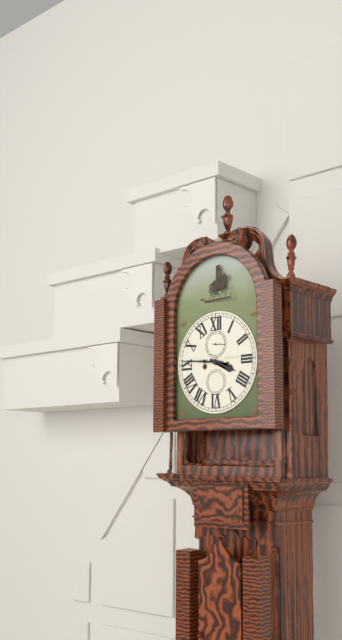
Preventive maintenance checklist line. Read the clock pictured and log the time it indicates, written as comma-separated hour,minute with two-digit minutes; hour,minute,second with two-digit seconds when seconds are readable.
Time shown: 3,46
